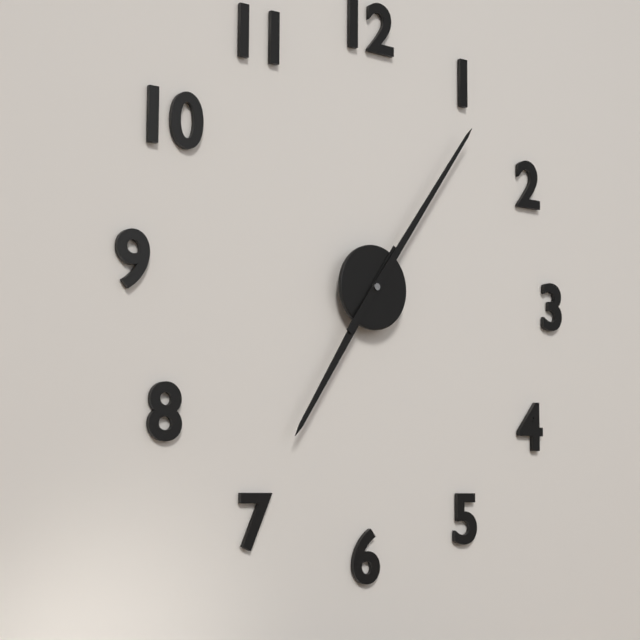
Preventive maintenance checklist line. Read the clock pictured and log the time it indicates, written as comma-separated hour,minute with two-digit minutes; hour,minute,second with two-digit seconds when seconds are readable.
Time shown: 7,06
